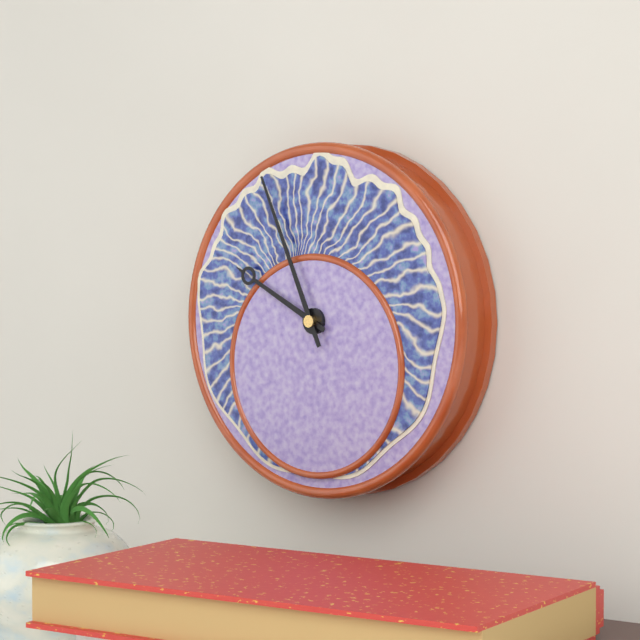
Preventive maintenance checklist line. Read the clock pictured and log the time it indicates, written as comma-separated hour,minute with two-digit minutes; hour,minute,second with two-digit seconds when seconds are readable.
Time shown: 9,56
